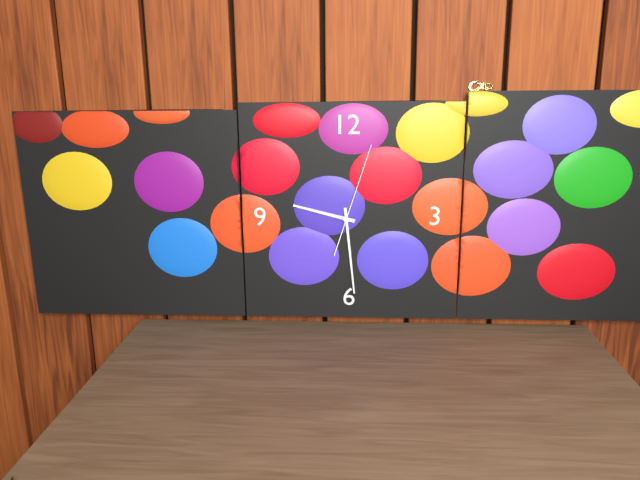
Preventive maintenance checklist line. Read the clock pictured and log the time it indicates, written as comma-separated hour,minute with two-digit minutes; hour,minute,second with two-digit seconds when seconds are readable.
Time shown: 9,29,03
